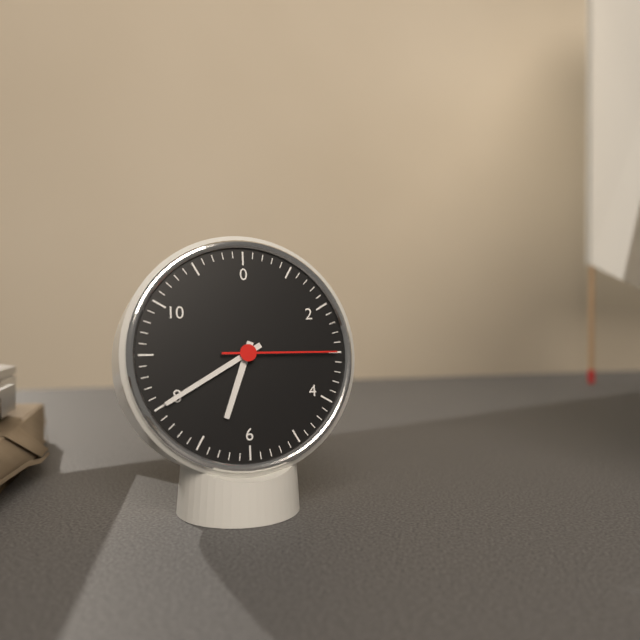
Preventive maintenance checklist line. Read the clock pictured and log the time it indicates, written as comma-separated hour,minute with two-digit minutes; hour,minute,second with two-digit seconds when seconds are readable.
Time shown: 6,40,15
